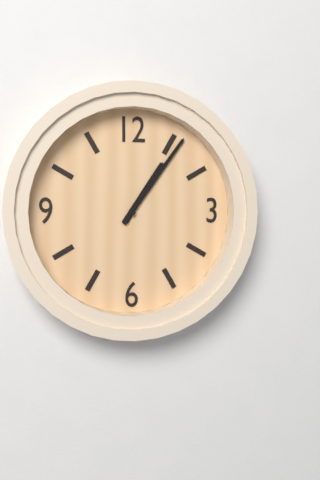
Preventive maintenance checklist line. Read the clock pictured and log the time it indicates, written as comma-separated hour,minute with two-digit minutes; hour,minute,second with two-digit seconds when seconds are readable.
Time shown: 1,06
